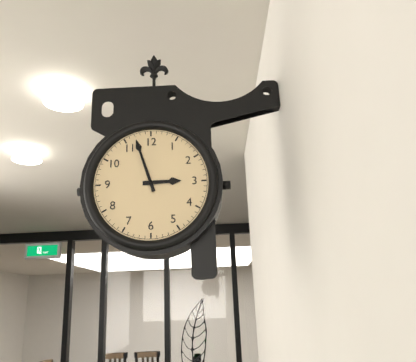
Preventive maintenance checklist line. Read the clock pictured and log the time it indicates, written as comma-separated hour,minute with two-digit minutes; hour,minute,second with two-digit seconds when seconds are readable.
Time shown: 2,57
